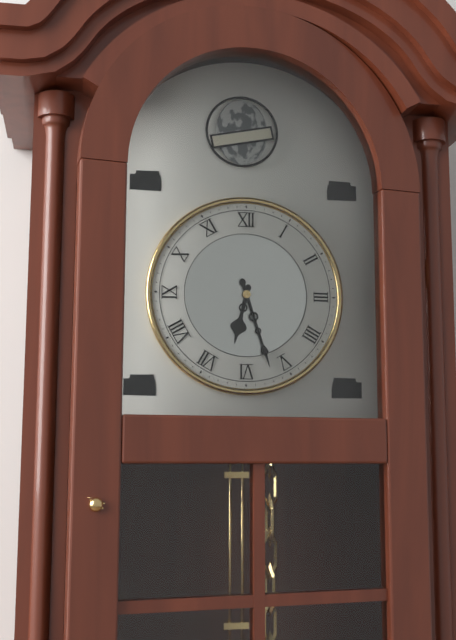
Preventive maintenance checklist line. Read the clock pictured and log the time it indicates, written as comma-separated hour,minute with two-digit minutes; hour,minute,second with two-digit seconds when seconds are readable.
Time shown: 6,27
